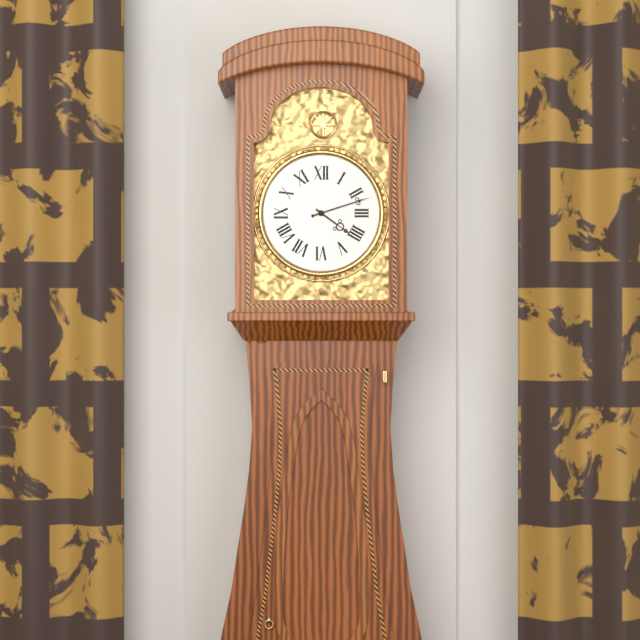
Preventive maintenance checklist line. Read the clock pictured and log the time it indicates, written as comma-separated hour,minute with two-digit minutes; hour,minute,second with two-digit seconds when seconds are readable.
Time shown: 4,12
